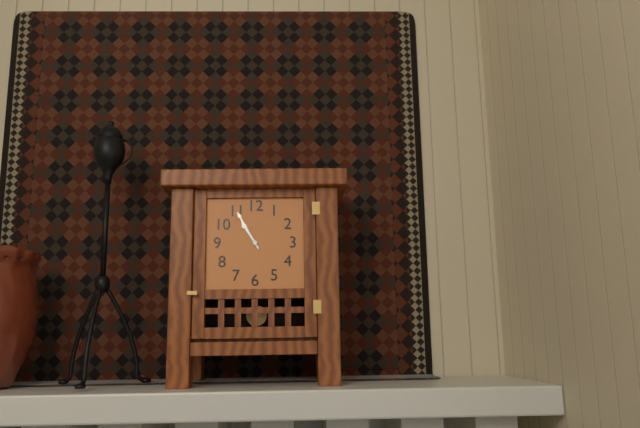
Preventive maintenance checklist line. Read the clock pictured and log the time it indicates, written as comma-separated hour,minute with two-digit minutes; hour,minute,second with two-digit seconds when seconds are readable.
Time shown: 10,55
